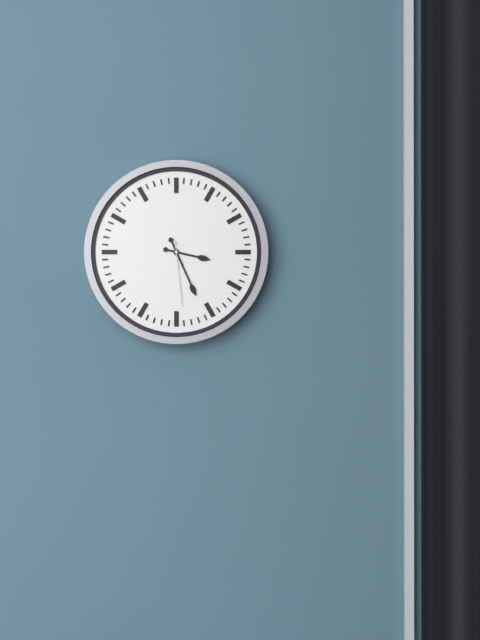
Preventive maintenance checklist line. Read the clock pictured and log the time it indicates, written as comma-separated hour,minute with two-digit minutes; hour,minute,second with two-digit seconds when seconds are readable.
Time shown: 3,26,29
